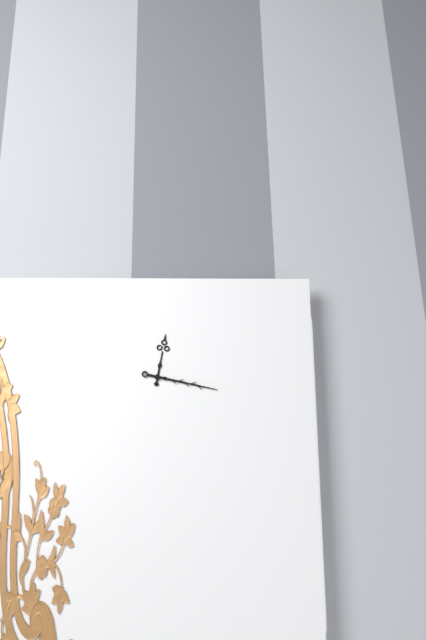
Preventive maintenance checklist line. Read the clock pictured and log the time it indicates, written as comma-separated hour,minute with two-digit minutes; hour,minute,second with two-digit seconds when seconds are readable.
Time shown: 12,17
